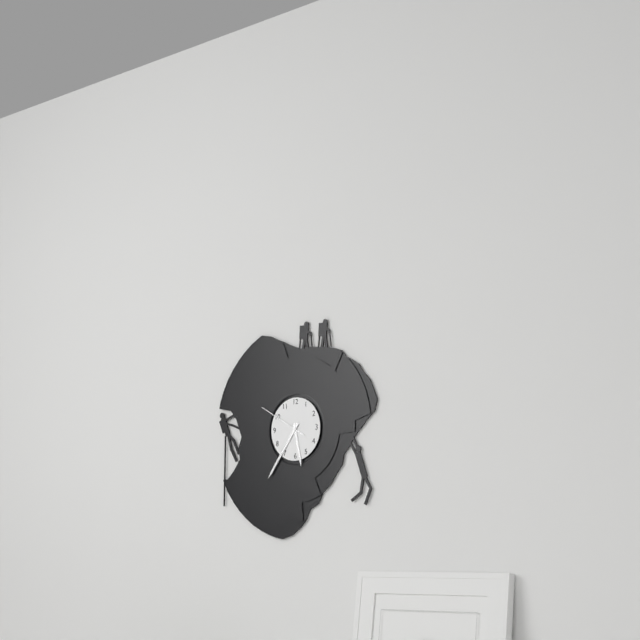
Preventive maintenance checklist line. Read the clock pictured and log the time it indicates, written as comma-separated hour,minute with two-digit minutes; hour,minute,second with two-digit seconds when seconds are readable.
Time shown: 5,36
